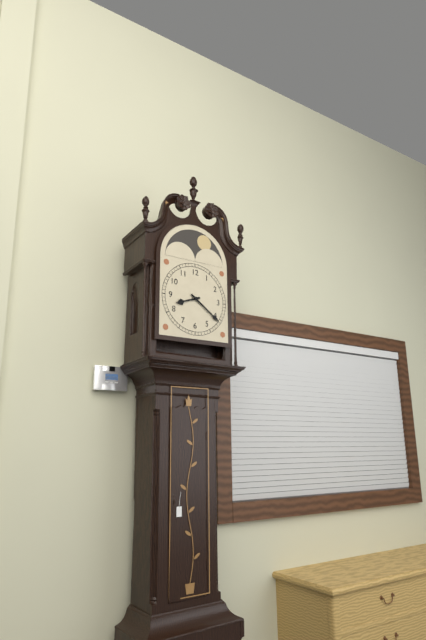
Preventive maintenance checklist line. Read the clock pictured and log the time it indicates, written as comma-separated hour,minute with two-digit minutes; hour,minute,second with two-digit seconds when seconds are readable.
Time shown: 8,21
